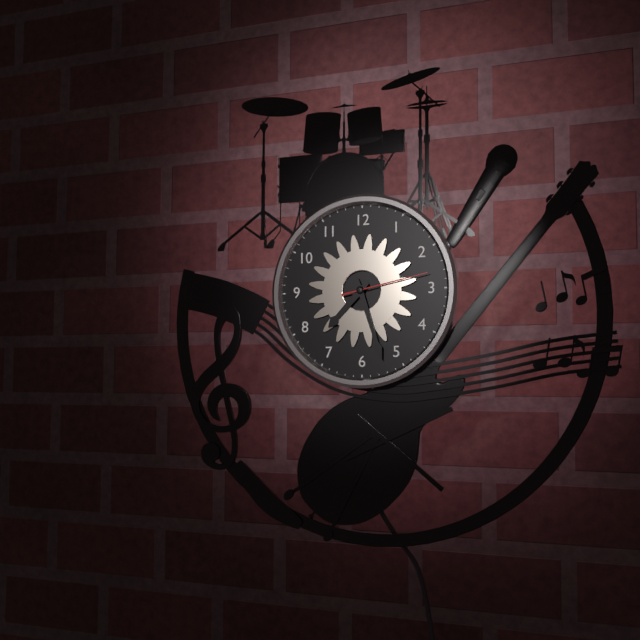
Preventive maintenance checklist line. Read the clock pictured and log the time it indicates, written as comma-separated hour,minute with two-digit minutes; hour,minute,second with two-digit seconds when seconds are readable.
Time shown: 7,27,13
